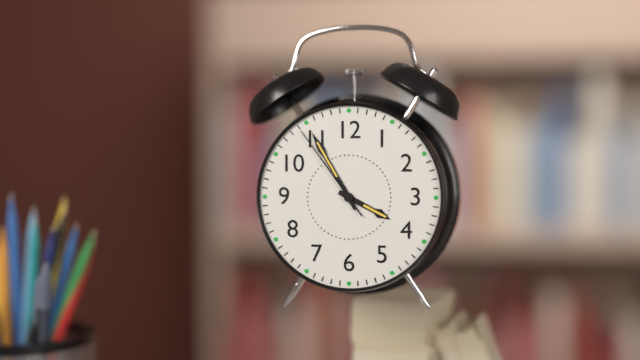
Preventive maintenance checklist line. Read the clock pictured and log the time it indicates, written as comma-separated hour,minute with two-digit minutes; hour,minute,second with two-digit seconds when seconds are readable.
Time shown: 3,55,54
